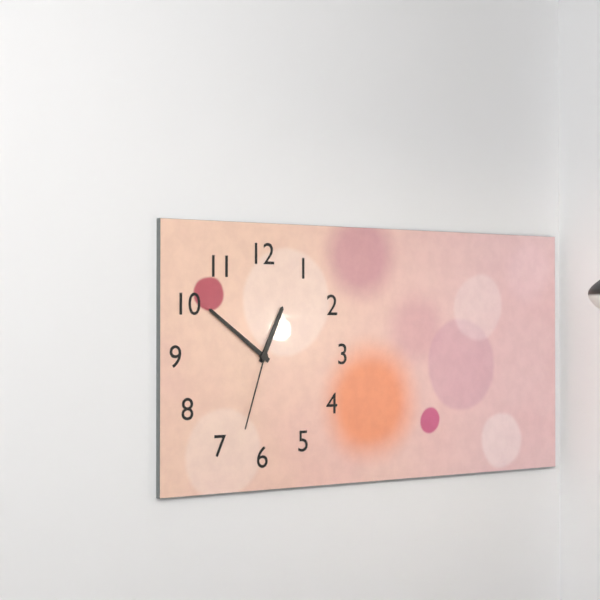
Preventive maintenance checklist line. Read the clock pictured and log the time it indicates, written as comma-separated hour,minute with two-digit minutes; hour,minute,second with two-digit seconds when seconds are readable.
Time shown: 12,51,33
